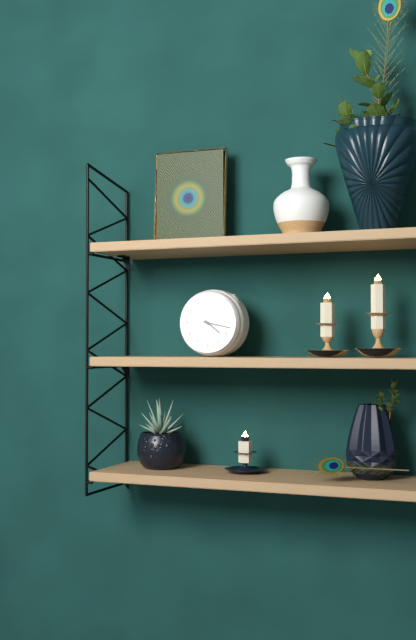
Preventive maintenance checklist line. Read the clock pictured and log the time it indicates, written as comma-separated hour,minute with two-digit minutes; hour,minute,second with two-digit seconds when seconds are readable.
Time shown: 4,17
